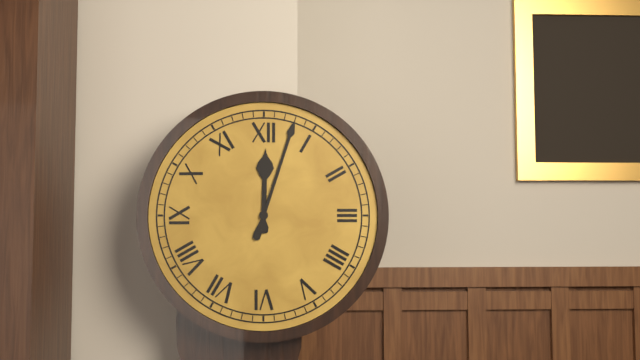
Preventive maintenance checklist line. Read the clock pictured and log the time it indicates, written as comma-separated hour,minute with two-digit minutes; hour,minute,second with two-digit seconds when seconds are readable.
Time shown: 12,03
